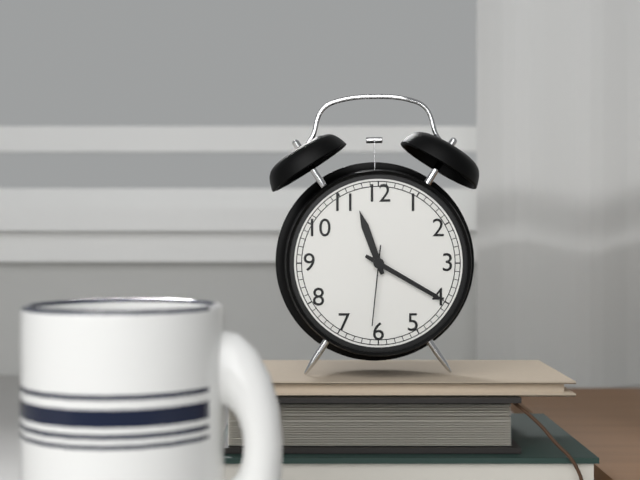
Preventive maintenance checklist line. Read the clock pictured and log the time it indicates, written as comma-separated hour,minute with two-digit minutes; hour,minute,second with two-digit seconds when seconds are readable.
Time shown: 11,20,31
